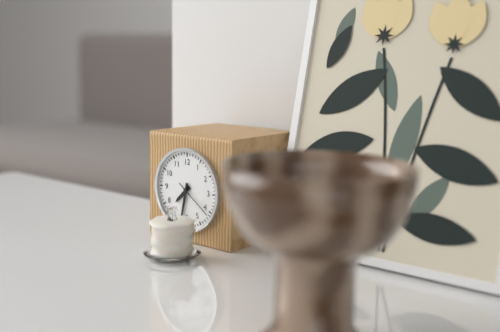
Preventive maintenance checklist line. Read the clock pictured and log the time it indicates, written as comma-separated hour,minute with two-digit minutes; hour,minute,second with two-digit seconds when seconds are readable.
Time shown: 7,32
